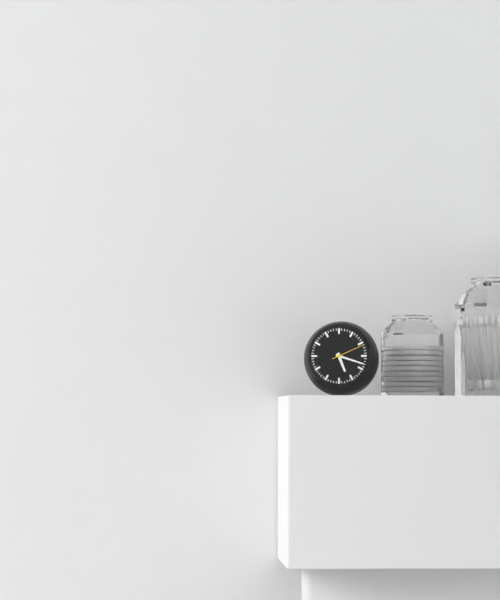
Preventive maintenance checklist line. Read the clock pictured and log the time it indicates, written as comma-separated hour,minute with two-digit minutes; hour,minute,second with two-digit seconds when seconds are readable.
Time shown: 5,18
